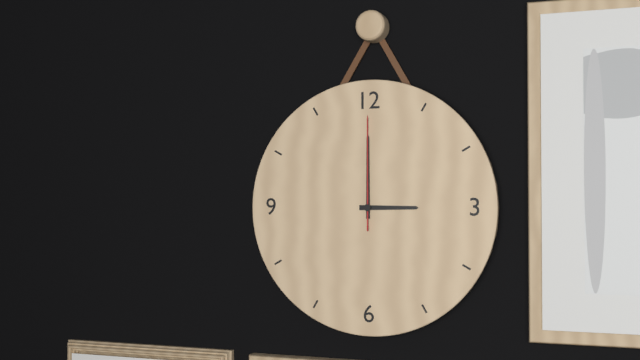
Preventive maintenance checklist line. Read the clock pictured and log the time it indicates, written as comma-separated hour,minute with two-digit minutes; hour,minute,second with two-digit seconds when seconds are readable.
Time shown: 3,00,00
